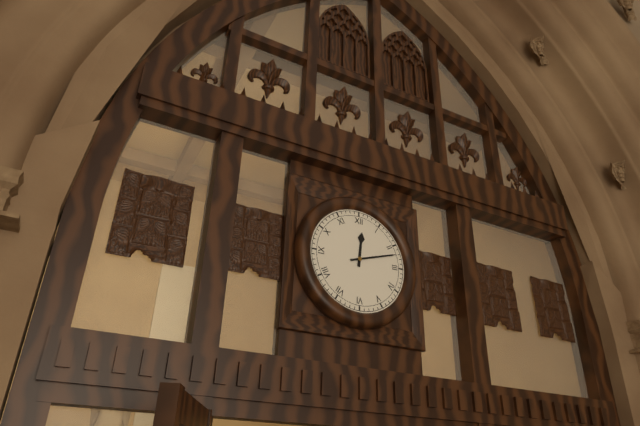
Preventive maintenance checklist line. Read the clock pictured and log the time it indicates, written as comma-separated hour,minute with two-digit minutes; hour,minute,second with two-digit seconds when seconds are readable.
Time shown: 12,12
